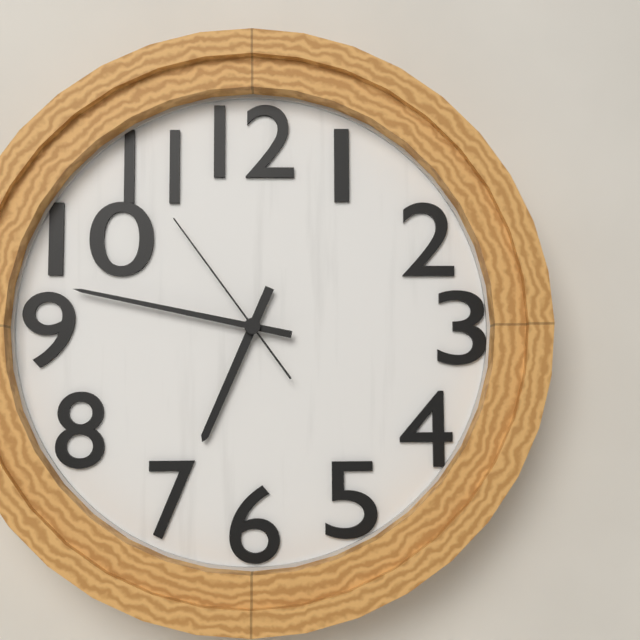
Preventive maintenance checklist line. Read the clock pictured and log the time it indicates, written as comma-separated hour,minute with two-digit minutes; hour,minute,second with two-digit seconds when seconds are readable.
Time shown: 6,47,54
